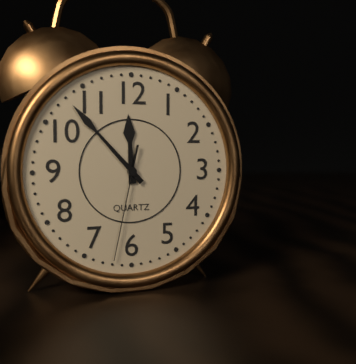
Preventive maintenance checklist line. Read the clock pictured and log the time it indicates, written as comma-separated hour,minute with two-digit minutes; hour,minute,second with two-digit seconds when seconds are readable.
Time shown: 11,53,32
